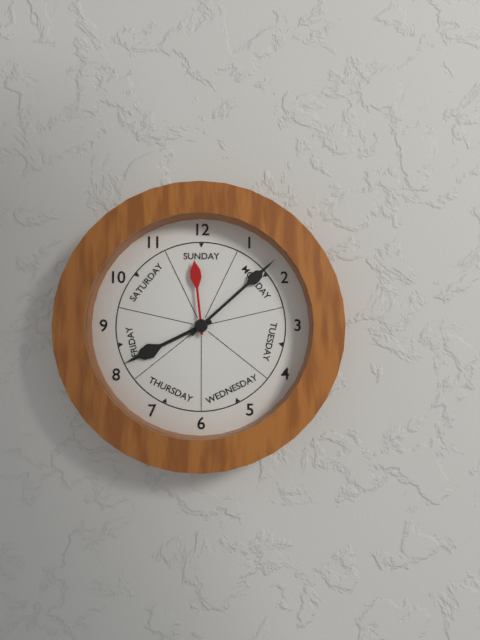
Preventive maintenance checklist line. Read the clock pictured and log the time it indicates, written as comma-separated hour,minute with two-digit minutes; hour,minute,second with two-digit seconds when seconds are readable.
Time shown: 8,08,59
